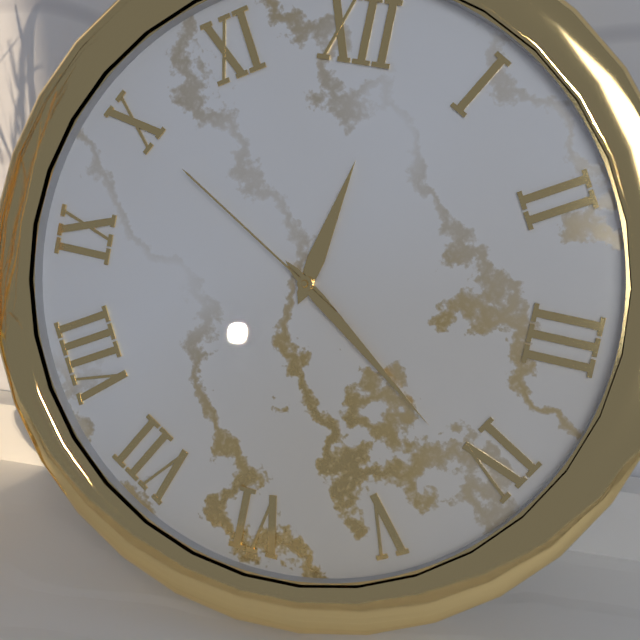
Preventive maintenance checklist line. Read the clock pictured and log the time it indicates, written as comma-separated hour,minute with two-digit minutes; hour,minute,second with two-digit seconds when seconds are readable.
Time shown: 12,21,50
